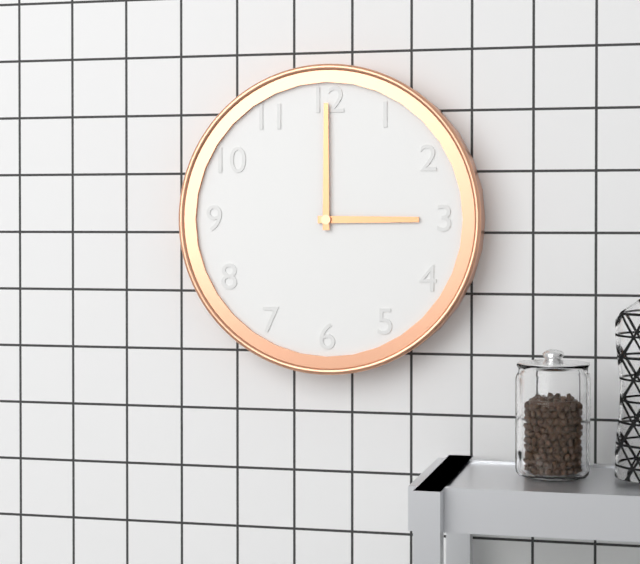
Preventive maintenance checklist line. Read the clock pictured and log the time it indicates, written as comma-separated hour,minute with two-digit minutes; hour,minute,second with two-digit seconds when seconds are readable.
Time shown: 3,00
